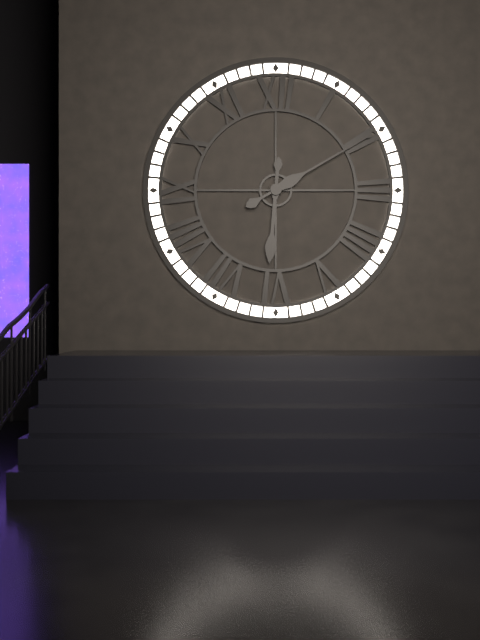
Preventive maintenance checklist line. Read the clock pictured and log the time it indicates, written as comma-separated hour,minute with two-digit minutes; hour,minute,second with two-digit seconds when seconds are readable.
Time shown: 6,10
